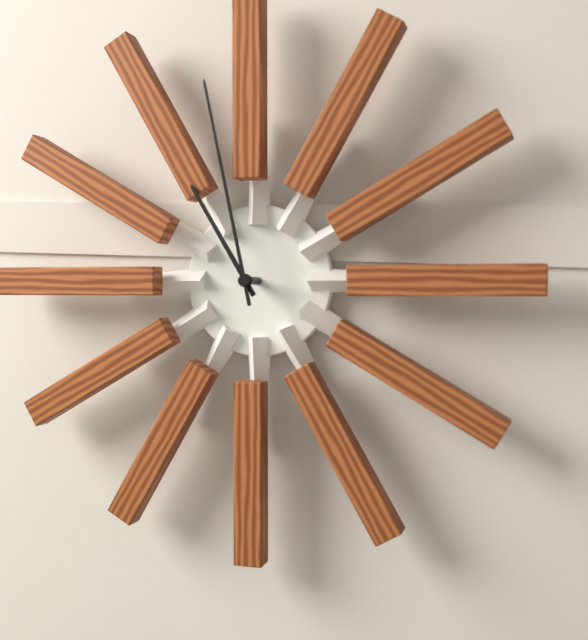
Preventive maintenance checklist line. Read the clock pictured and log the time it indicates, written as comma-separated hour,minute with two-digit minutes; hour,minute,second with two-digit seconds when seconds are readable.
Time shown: 10,58
